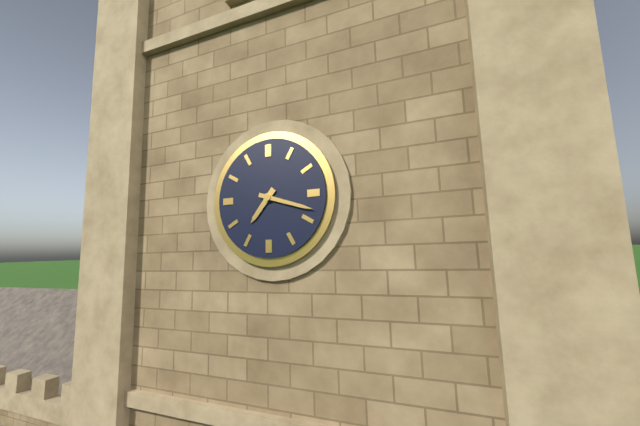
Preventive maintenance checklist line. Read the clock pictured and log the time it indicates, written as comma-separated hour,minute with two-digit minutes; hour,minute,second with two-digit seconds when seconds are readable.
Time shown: 7,18
